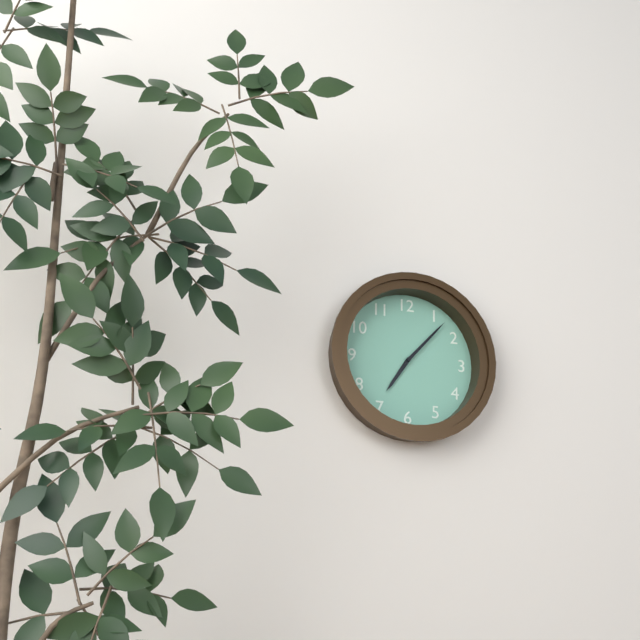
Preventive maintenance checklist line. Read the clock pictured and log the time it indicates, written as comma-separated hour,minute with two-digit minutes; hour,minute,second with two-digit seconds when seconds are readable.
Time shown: 7,07
